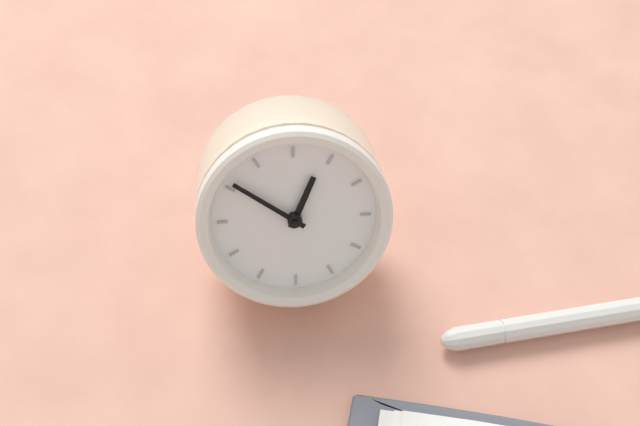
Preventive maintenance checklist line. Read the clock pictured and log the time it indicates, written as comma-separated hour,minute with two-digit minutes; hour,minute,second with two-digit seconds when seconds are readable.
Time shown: 11,46
